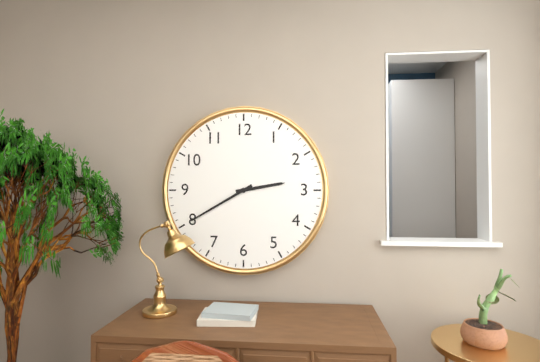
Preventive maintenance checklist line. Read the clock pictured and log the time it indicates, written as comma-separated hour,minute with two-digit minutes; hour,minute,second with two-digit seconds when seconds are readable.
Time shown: 2,40
